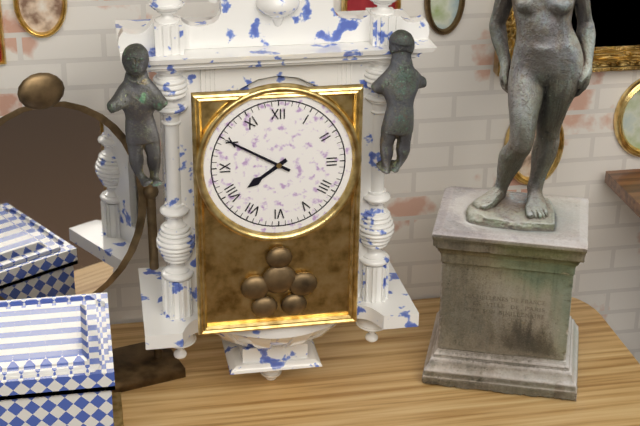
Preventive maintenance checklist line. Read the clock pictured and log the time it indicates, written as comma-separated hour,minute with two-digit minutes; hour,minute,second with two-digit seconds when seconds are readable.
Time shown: 7,50
